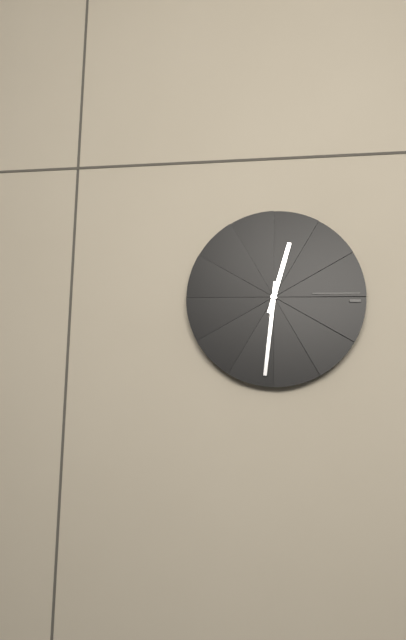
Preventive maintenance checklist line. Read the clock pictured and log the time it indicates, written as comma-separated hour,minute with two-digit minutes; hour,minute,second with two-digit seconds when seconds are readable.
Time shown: 12,31
